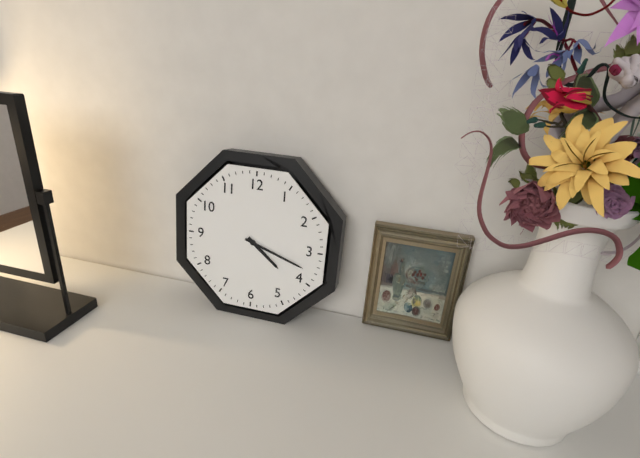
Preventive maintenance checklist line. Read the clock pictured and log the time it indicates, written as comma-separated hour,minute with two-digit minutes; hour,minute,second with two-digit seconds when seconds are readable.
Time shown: 4,18
